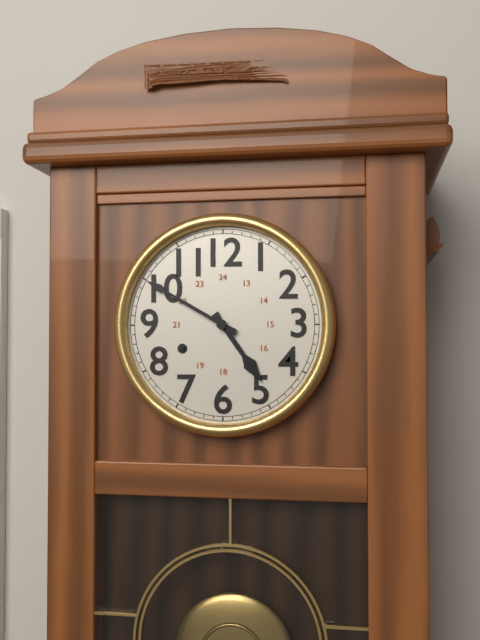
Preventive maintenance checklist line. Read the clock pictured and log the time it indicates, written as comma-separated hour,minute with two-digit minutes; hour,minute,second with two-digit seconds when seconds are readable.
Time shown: 4,50
